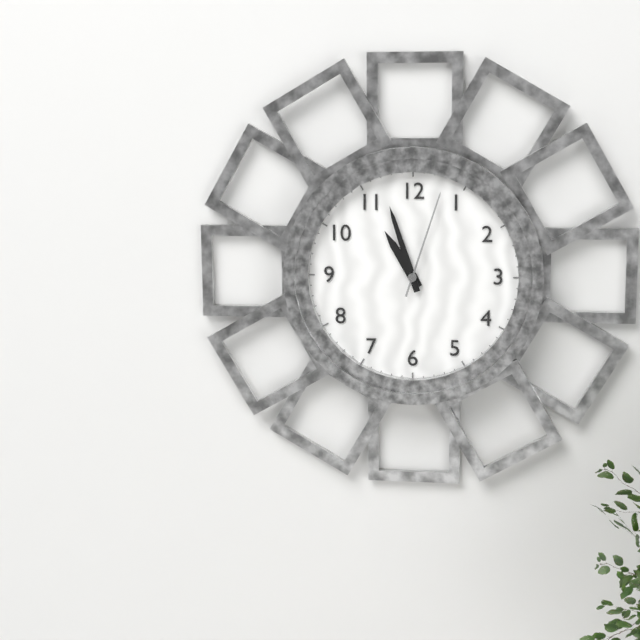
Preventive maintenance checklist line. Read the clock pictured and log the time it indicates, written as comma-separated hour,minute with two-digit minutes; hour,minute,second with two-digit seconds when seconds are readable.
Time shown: 10,57,03
